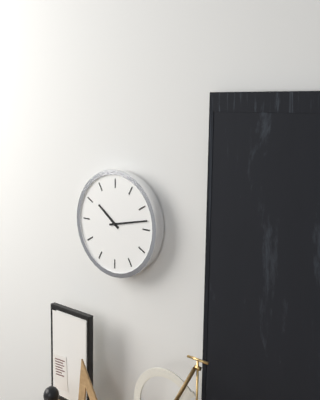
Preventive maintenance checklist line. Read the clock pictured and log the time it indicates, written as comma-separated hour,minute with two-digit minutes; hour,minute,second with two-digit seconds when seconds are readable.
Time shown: 10,13
